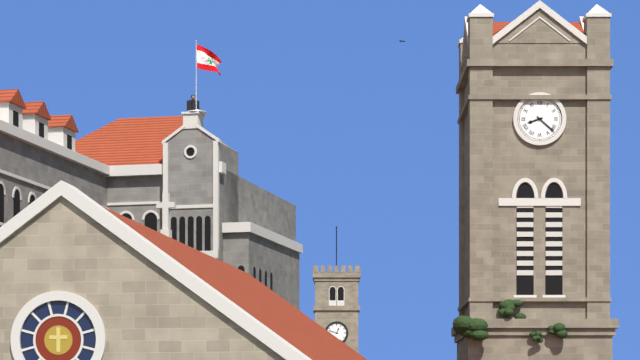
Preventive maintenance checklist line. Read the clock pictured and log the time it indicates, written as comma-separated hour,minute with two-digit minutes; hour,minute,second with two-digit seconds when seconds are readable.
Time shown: 8,22
